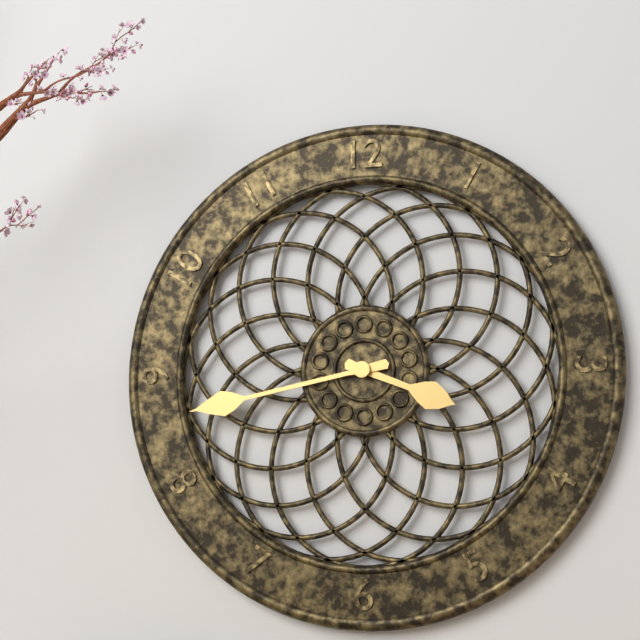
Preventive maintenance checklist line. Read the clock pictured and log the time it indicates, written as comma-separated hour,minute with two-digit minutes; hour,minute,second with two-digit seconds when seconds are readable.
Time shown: 3,43
